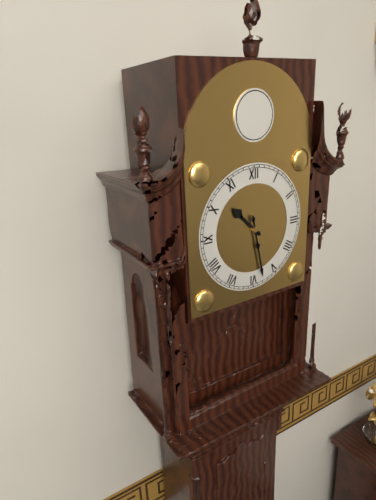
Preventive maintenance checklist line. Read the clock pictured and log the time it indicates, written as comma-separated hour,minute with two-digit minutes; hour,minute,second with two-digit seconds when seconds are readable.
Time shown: 10,28
